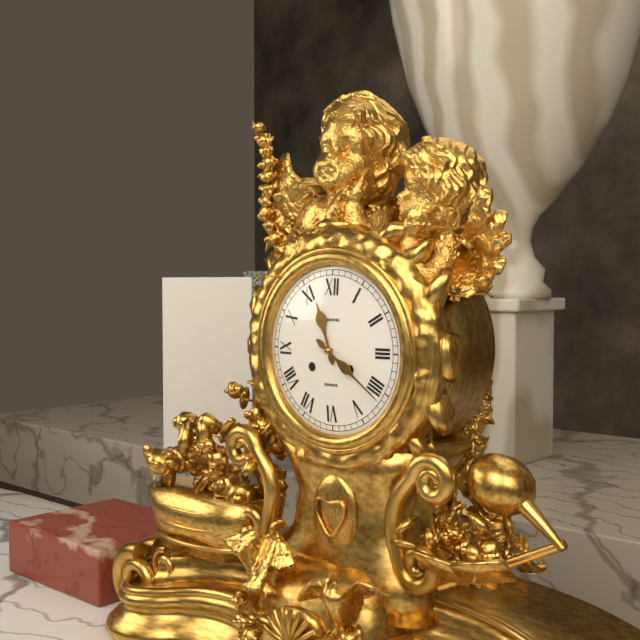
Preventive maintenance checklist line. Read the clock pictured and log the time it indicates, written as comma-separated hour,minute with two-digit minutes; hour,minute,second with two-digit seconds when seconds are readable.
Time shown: 11,21
